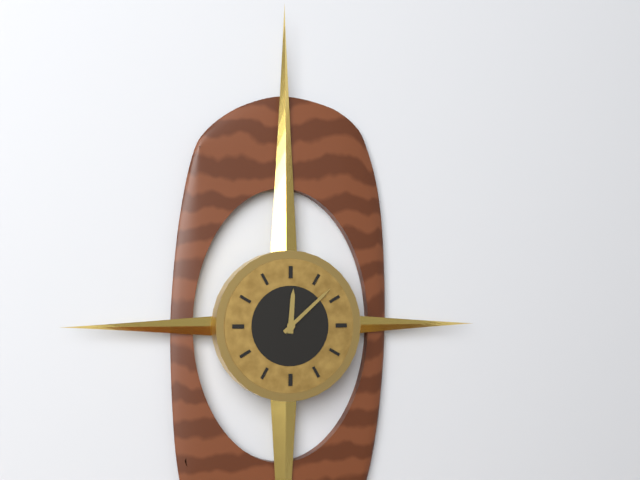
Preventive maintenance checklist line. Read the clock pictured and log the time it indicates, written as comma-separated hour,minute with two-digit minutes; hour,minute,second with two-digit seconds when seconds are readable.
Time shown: 12,08
